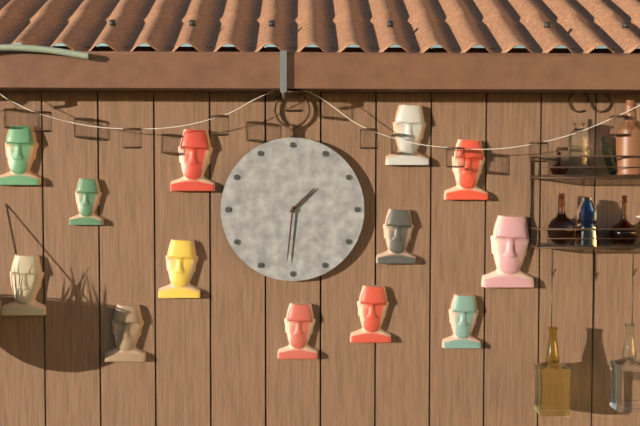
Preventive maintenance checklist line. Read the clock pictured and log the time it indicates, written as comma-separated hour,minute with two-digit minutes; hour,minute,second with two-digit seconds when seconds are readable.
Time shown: 1,31
